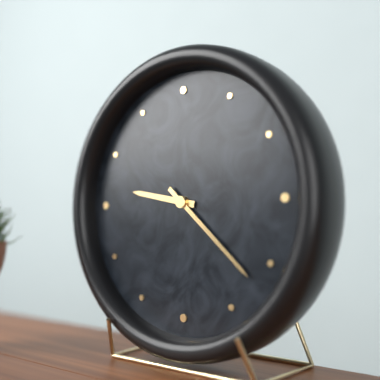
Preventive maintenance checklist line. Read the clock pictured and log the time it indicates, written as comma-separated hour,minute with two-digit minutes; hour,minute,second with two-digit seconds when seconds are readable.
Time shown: 9,22
